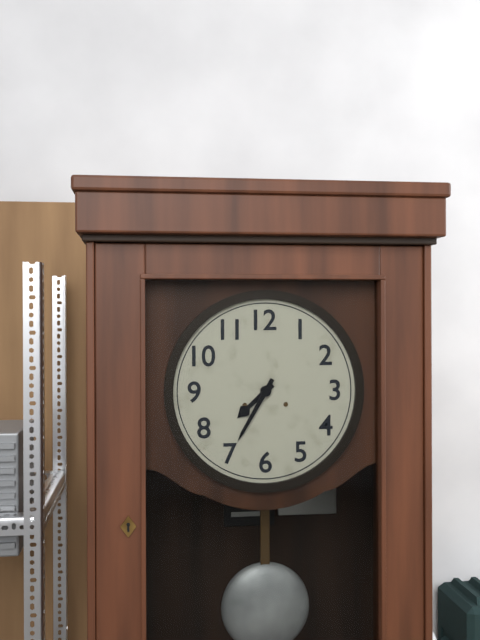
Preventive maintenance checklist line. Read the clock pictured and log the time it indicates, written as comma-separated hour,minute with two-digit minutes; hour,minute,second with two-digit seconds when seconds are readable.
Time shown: 7,35
